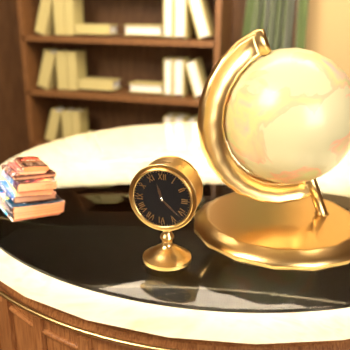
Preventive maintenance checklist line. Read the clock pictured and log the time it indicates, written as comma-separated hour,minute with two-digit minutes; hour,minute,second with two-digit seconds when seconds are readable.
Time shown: 11,22
